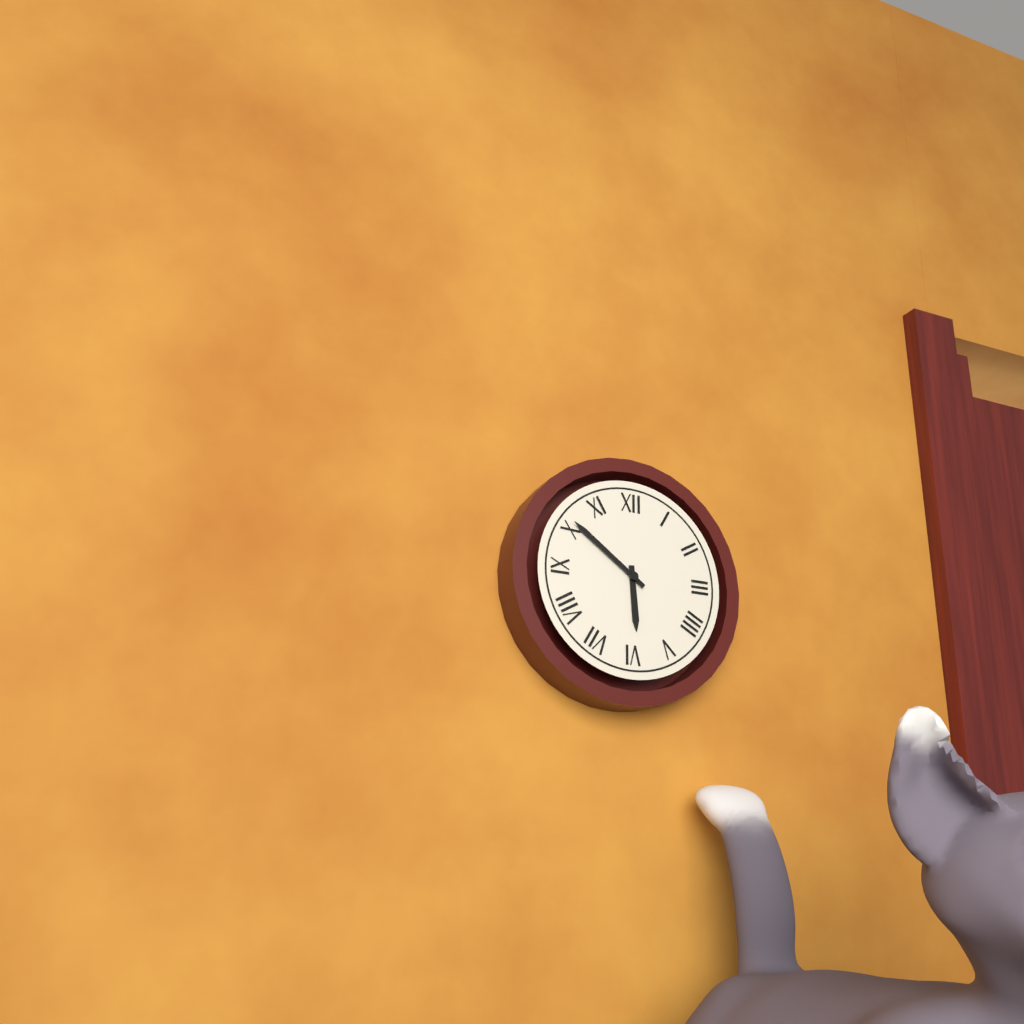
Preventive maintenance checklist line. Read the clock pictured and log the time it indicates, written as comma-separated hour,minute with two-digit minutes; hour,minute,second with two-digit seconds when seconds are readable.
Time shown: 5,51
